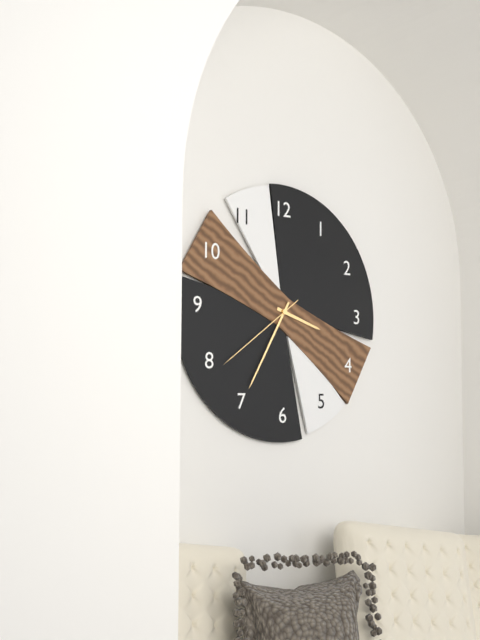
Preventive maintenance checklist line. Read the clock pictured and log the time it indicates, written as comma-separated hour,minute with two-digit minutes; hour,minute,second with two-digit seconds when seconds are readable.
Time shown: 3,35,39
